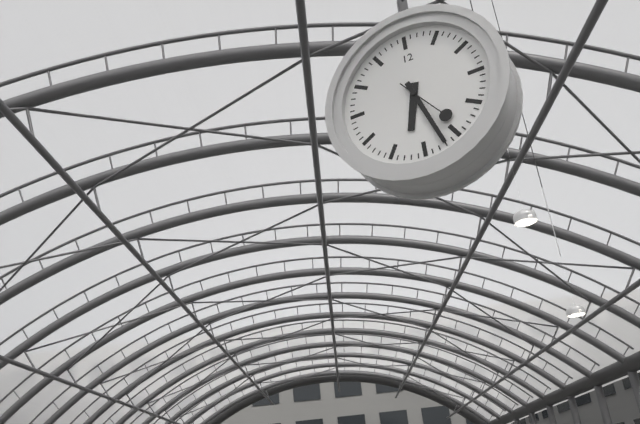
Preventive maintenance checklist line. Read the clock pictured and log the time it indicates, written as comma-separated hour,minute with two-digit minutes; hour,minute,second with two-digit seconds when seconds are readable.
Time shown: 6,27
